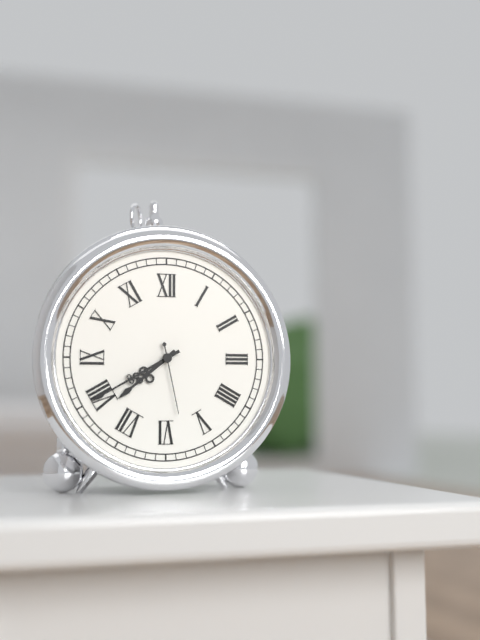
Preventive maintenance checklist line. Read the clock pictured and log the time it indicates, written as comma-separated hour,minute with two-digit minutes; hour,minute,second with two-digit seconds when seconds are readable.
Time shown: 7,40,28
